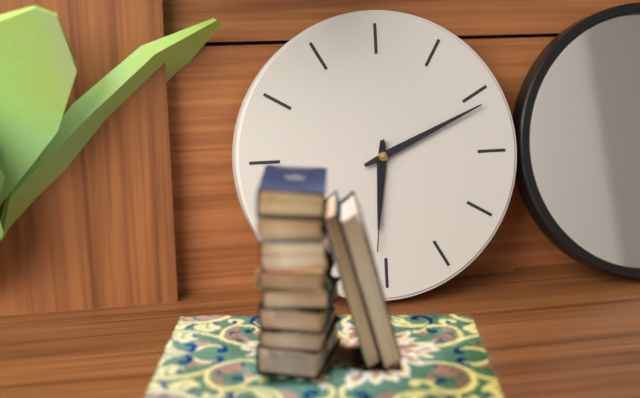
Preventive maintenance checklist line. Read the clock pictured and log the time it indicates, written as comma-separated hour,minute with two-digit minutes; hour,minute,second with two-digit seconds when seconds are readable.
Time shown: 6,11,31
